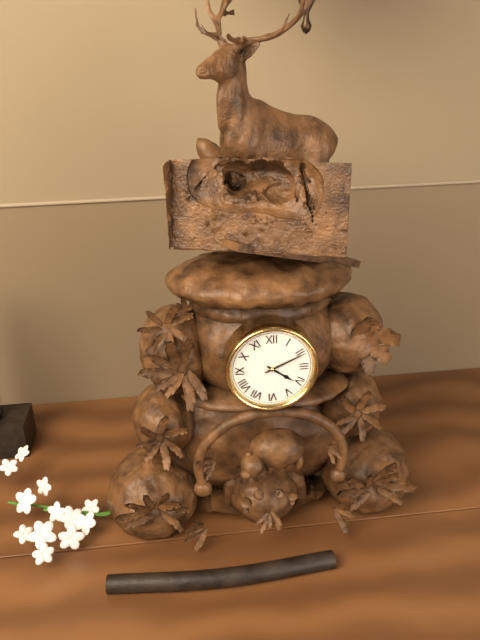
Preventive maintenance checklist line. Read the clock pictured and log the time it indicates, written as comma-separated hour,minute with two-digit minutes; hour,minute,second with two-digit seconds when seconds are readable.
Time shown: 4,11
